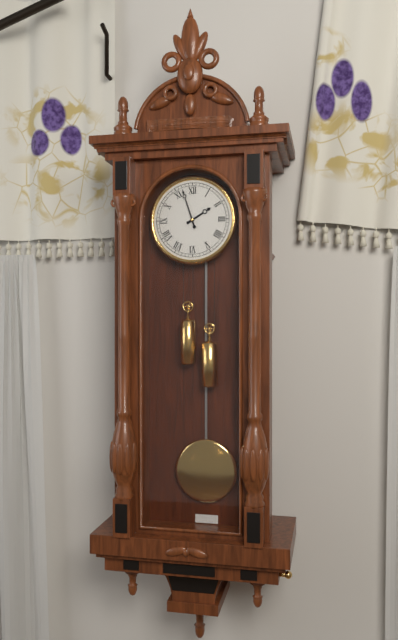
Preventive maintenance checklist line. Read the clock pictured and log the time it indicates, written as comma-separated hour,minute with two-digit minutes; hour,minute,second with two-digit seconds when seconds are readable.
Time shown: 1,57
